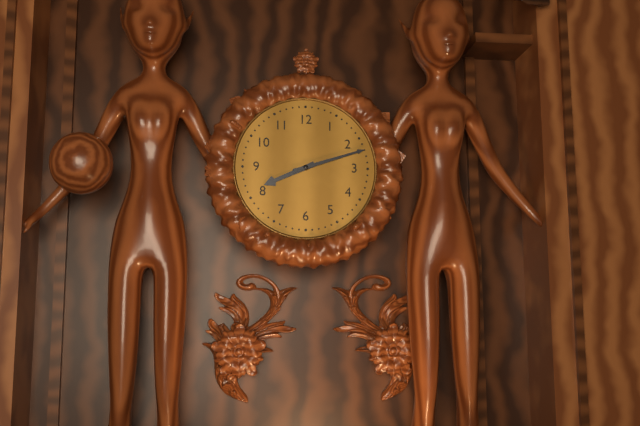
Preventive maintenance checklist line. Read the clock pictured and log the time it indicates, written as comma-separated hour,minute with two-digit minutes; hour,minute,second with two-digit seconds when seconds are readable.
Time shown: 8,12
